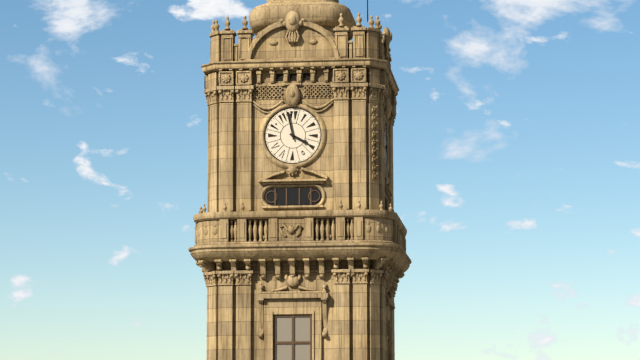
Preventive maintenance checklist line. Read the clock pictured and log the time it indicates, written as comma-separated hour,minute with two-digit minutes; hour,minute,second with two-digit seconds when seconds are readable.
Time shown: 3,58
